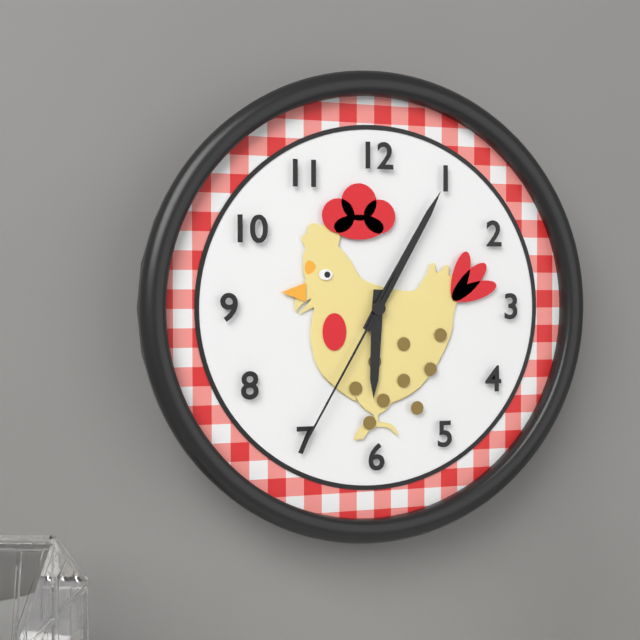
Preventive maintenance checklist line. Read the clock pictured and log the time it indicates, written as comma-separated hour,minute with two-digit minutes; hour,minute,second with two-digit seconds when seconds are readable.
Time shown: 6,05,35
